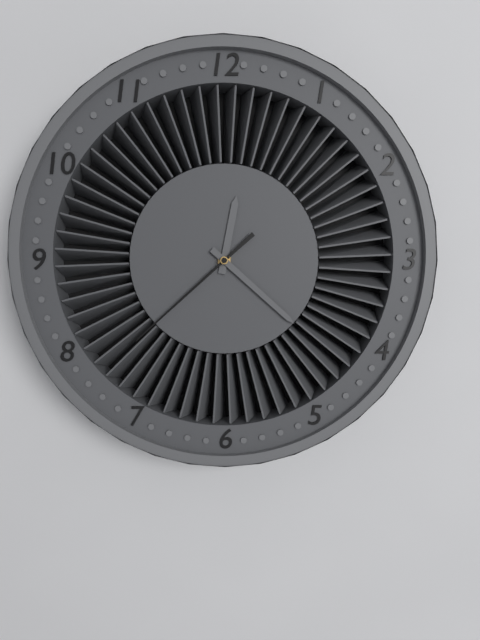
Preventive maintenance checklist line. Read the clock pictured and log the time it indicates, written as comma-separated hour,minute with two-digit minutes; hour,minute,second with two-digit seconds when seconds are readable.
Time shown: 12,22,38
